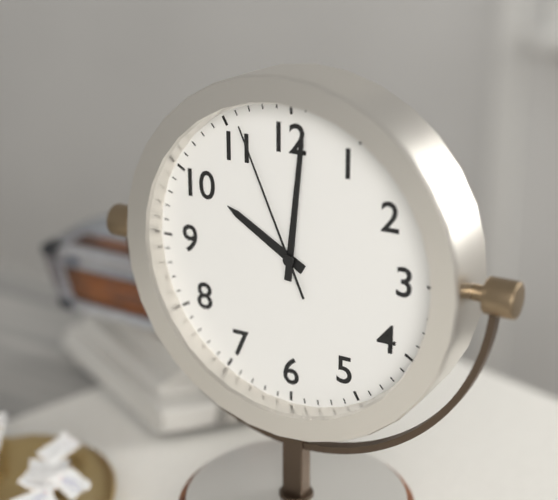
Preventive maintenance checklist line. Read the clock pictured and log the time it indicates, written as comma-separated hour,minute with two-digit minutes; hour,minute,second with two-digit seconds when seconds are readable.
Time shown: 10,01,56
